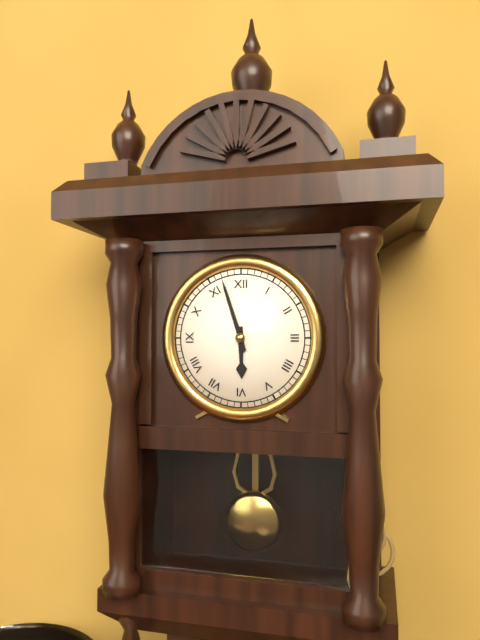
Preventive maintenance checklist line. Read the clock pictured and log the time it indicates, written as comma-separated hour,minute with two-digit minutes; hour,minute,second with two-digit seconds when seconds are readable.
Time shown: 5,57
